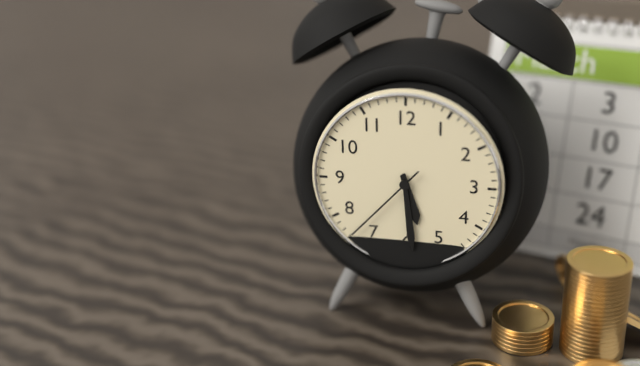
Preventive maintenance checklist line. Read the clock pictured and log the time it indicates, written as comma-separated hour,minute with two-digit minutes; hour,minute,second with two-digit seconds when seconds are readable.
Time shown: 5,29,37
